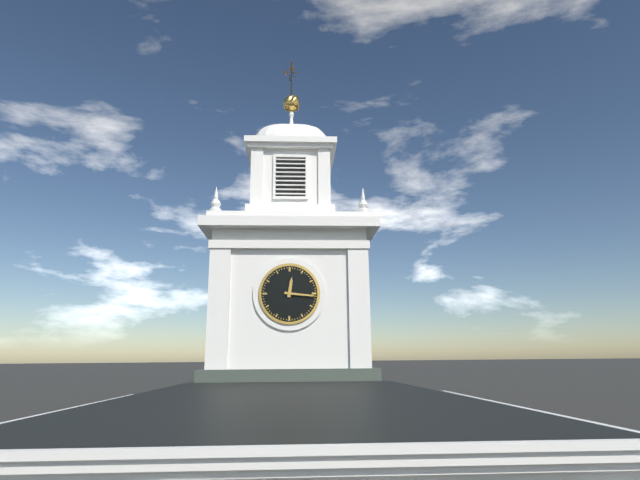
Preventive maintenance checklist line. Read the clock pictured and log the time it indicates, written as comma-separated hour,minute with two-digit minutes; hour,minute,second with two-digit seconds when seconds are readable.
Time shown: 12,16
